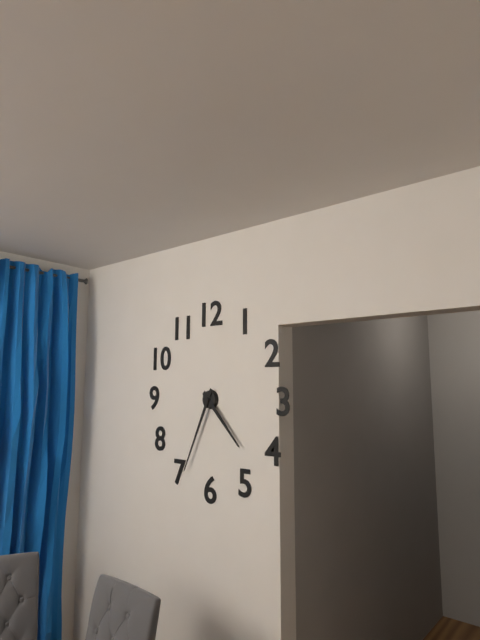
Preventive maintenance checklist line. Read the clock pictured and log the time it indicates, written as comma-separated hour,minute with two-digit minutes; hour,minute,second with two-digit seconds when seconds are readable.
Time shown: 4,34
